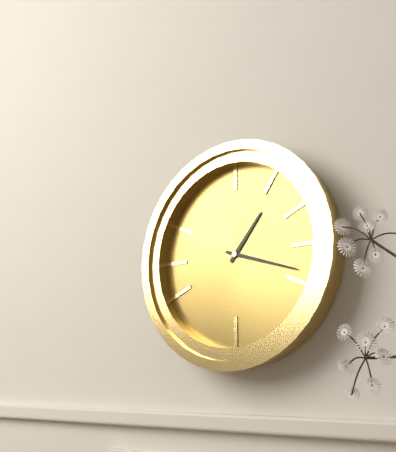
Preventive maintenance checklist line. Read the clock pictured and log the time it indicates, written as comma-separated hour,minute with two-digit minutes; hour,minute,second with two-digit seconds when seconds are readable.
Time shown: 1,18
